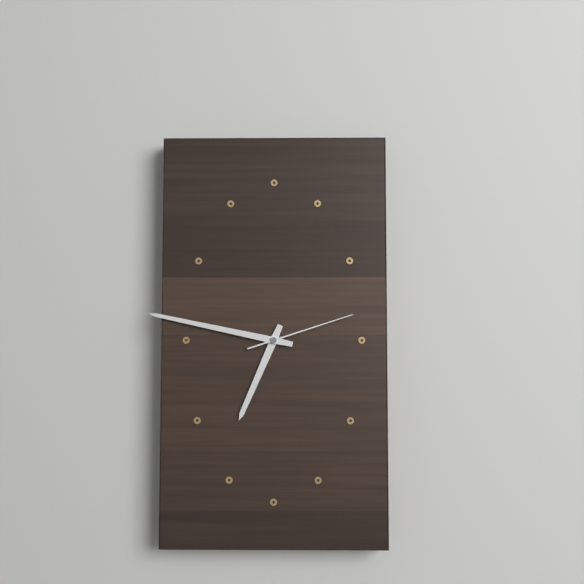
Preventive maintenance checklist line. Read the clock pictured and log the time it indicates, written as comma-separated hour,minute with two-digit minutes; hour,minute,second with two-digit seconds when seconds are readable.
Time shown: 6,47,12
